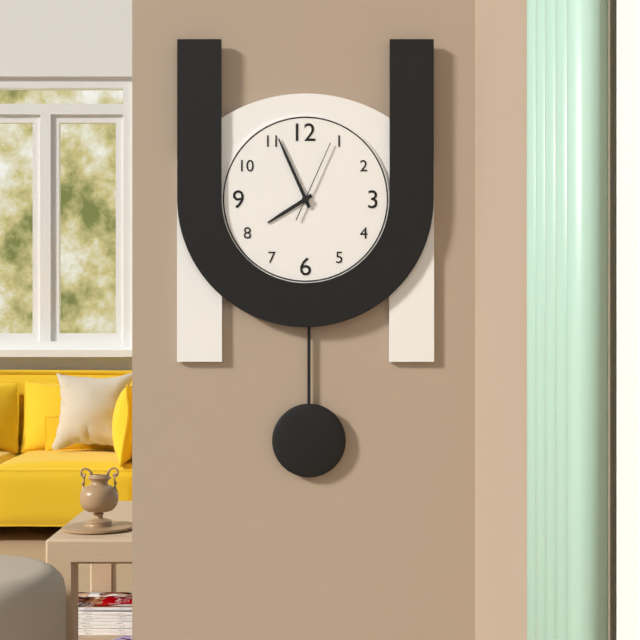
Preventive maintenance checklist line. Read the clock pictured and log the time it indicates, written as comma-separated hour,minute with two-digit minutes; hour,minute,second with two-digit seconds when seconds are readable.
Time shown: 7,56,04
